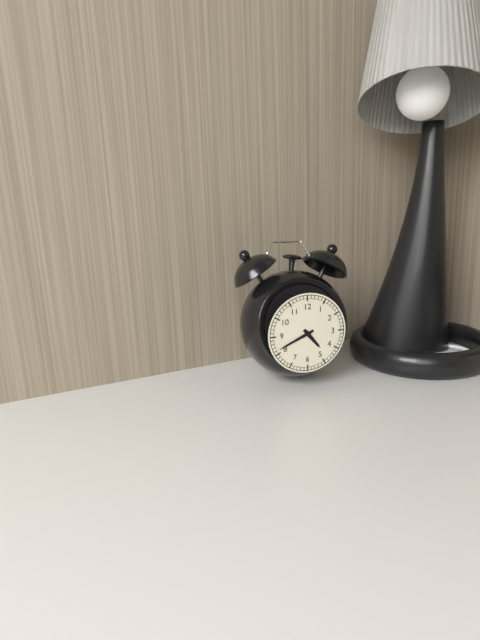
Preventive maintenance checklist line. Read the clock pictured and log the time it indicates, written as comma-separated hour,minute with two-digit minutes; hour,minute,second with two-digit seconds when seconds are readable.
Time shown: 4,41
